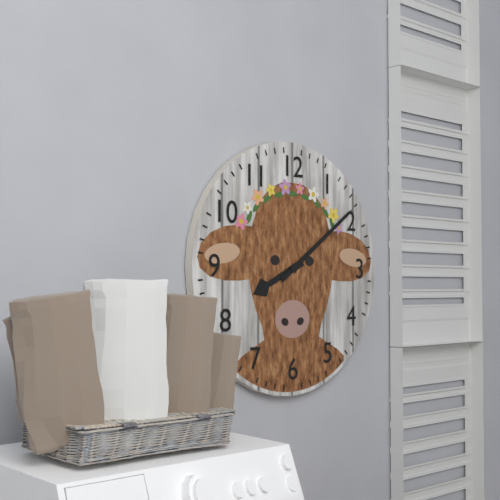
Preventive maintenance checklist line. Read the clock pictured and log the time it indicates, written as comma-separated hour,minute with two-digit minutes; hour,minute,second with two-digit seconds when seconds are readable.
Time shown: 8,09
